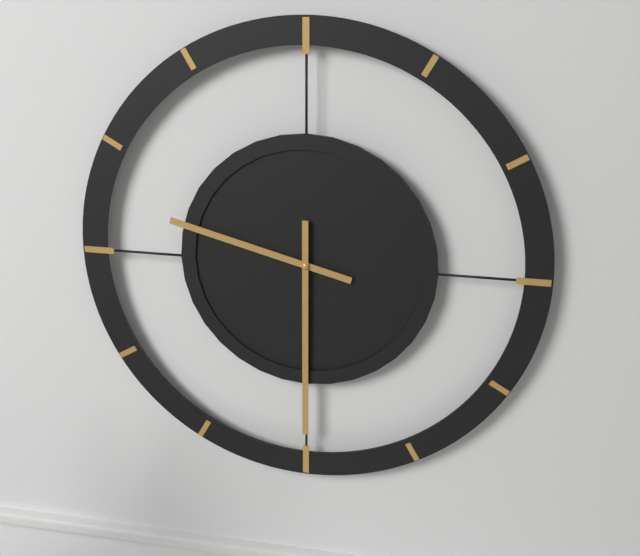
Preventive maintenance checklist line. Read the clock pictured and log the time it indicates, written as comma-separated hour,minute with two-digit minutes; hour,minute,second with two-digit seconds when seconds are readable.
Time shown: 9,30
